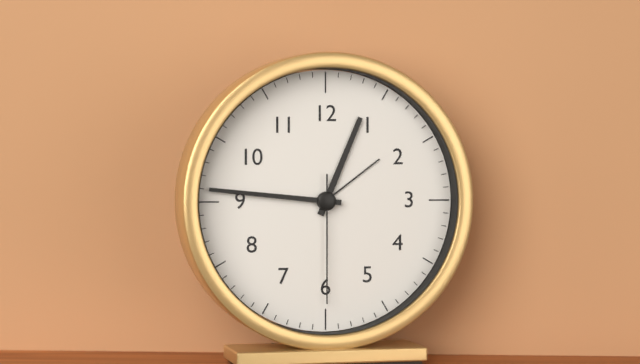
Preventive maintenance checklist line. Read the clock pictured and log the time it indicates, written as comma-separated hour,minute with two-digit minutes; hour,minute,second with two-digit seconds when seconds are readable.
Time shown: 12,46,30
